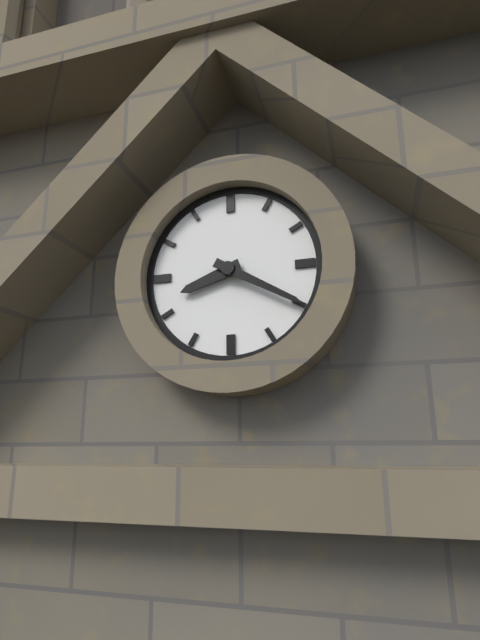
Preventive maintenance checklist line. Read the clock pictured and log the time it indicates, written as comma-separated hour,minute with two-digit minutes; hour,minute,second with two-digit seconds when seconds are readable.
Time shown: 8,20
